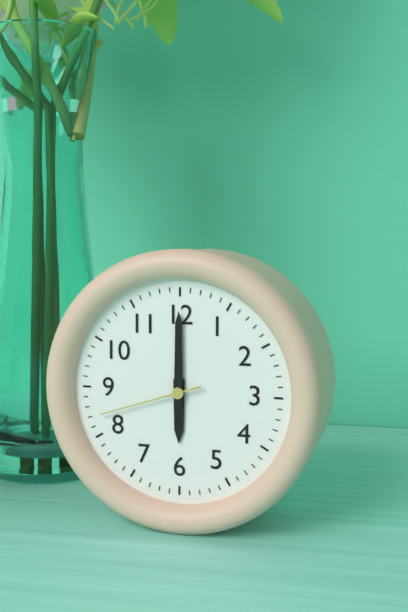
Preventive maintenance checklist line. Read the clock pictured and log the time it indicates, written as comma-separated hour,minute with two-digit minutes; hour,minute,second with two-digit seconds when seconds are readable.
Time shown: 6,00,42
